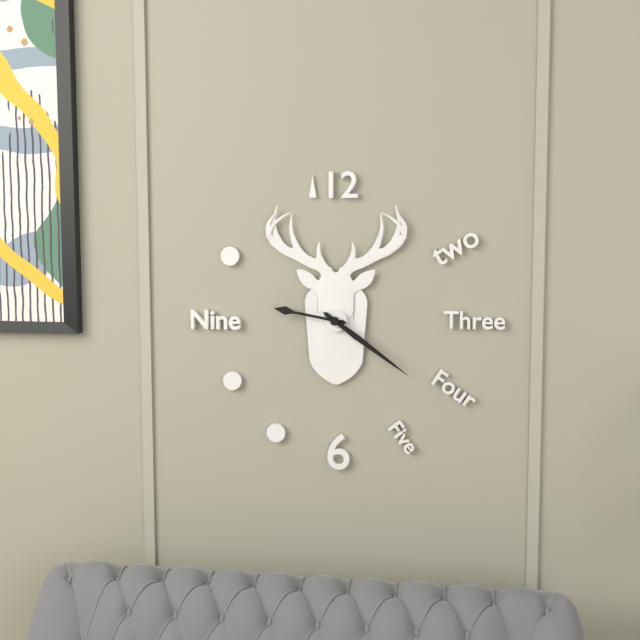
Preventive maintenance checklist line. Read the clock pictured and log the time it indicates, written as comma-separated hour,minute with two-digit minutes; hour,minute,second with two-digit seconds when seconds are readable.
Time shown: 9,21
